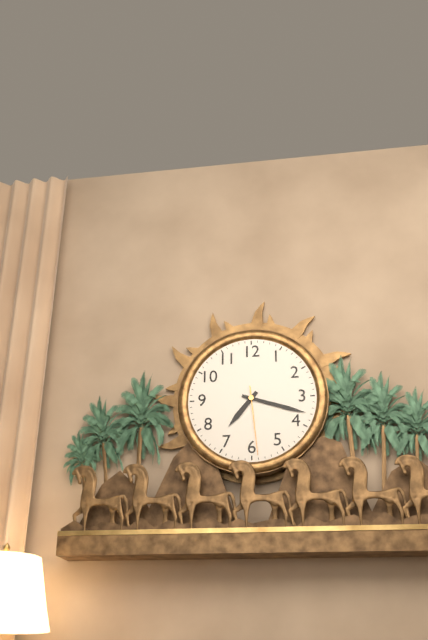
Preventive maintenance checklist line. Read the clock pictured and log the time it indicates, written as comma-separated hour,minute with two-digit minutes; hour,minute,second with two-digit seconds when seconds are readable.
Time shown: 7,18,29
